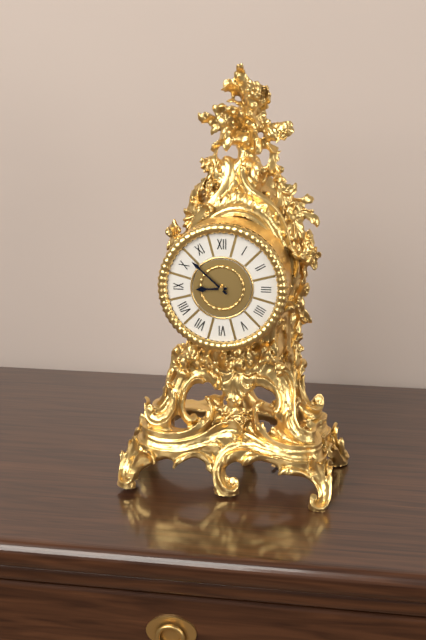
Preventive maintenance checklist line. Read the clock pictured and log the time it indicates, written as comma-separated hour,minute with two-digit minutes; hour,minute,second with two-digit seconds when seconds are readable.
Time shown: 8,52
